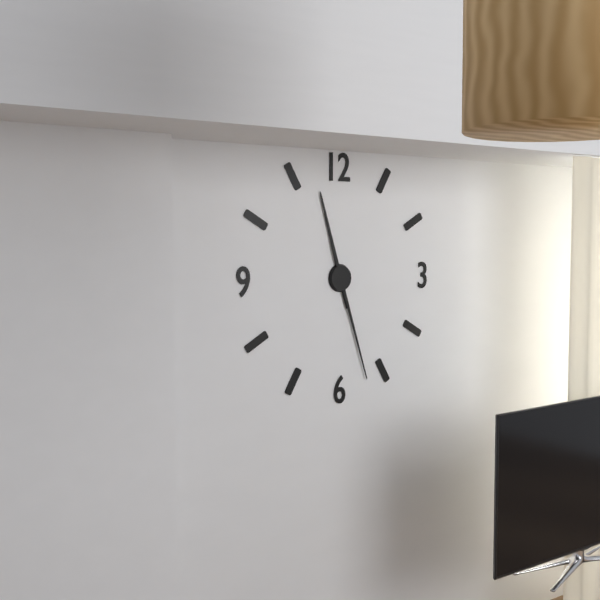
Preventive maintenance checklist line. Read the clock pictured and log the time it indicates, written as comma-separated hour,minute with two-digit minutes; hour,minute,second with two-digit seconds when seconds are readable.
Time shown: 11,27
